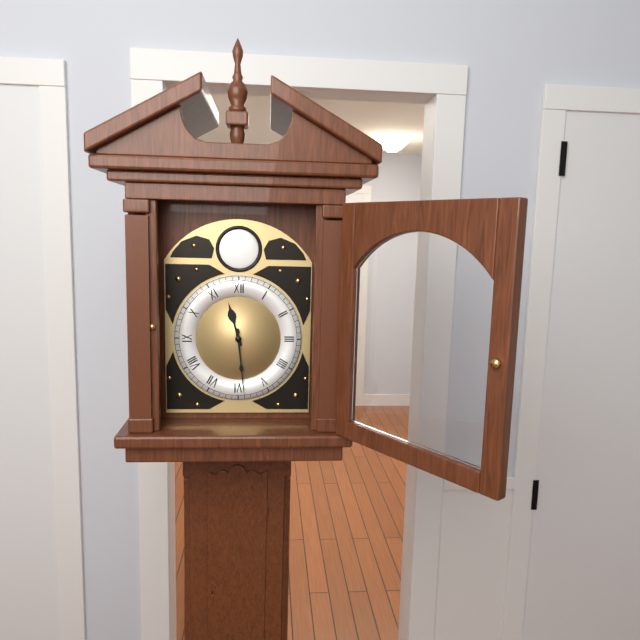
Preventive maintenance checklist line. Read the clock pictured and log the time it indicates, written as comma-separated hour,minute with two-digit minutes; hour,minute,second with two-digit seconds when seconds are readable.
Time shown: 11,29
